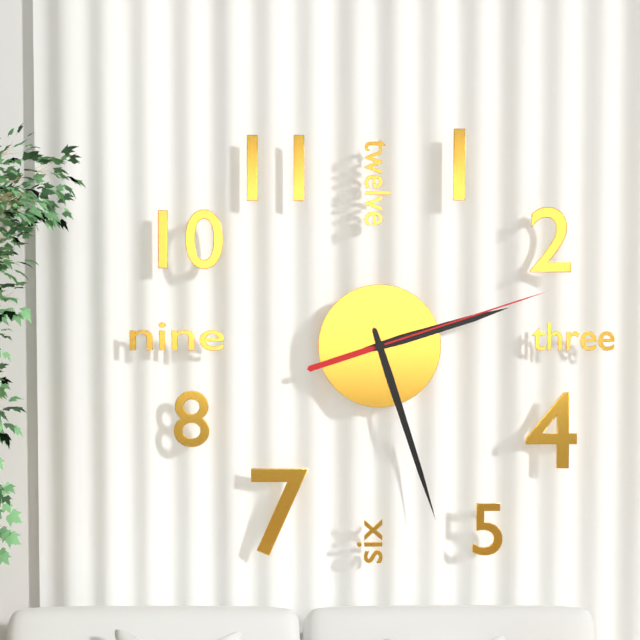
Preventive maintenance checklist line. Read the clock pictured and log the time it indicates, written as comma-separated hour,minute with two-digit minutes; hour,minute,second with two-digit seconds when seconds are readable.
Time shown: 2,27,12
